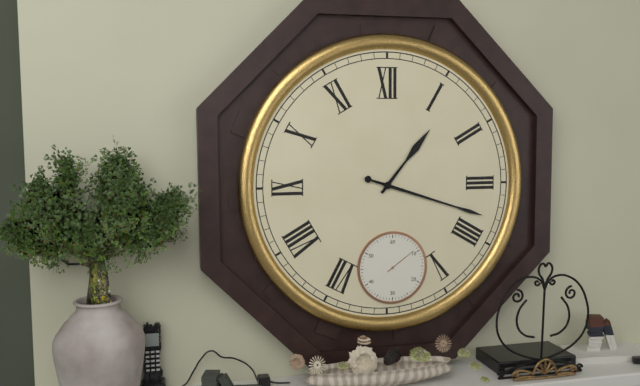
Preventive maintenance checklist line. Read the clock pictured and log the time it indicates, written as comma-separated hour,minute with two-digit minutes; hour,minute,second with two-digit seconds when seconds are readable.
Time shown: 1,18
